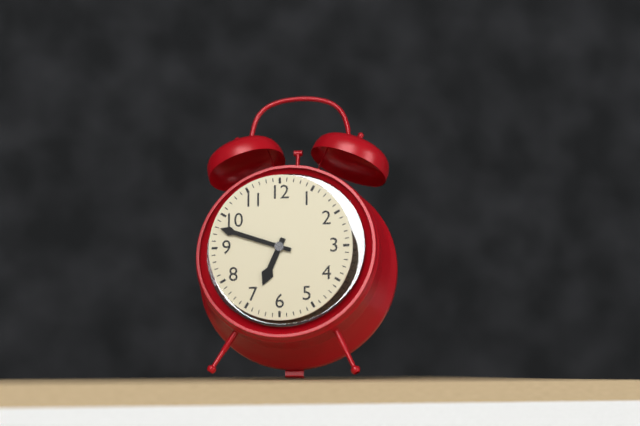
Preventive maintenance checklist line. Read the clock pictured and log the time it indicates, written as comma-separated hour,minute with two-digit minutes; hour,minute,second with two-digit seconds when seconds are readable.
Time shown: 6,48
